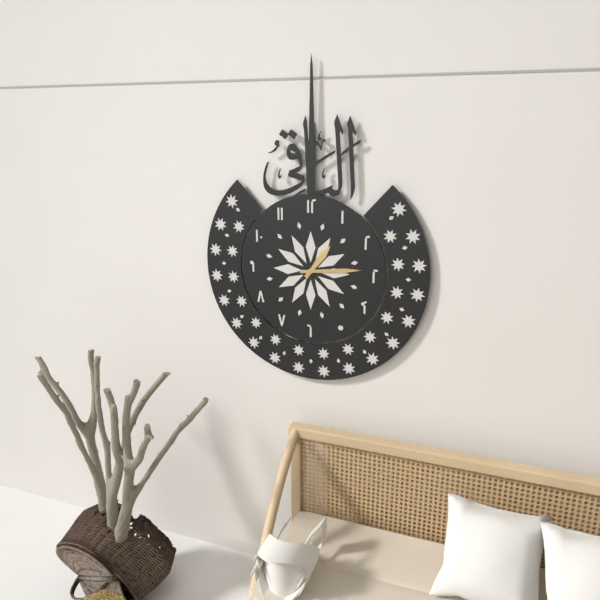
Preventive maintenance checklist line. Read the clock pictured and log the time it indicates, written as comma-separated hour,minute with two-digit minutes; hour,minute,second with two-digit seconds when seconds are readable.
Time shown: 1,14
